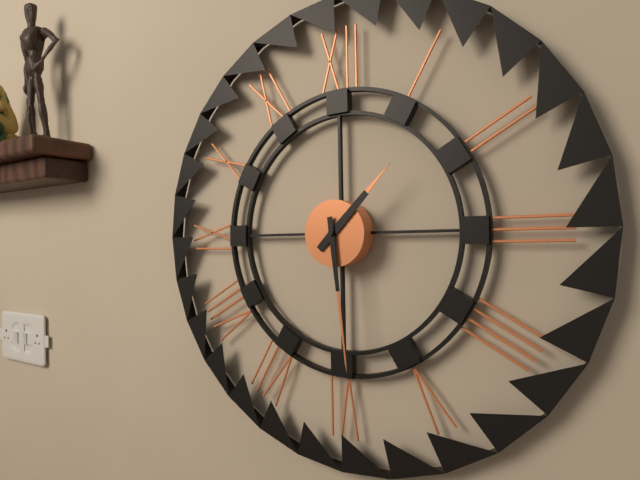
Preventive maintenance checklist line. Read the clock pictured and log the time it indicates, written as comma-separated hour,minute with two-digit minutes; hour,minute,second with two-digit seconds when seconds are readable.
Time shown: 1,29
